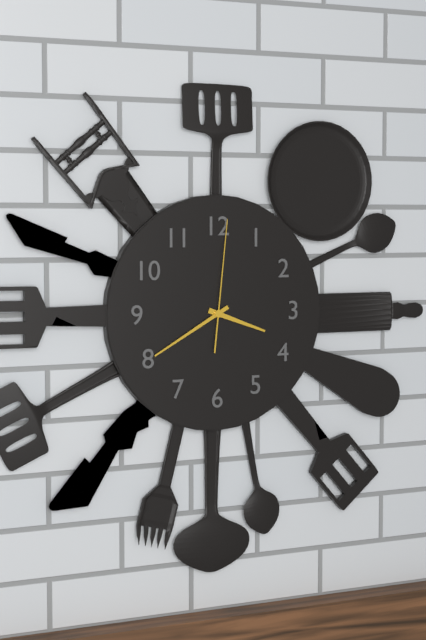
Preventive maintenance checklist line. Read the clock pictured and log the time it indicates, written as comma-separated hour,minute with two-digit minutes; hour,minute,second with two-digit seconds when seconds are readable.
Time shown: 3,40,01
